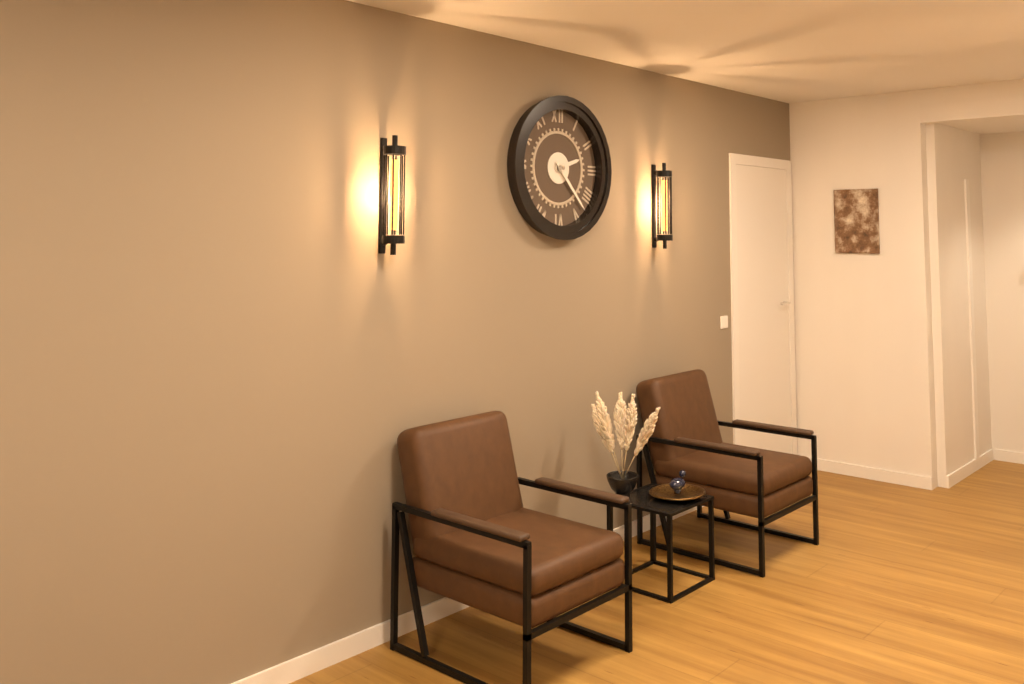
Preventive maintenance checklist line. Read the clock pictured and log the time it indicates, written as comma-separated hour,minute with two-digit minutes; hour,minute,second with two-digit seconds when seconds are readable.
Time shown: 2,23
